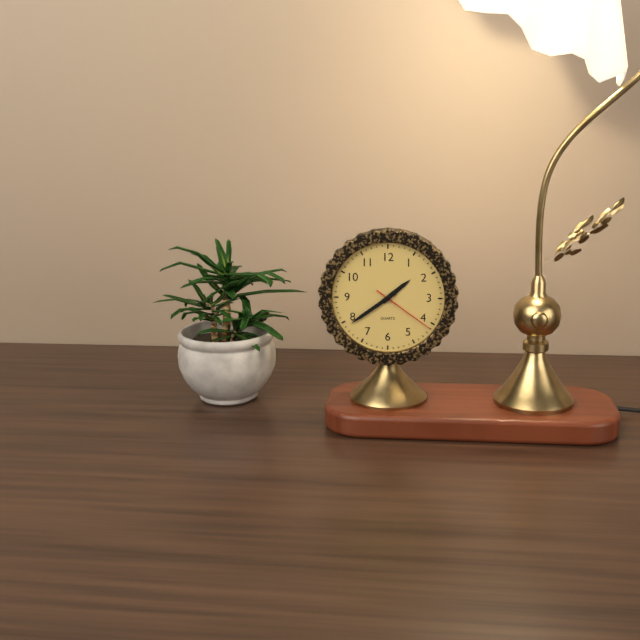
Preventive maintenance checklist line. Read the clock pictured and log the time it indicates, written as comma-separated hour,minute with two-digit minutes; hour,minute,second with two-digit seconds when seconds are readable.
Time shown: 1,39,21
